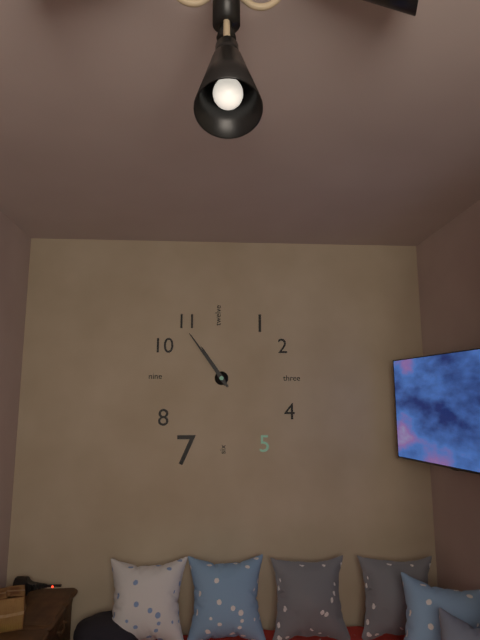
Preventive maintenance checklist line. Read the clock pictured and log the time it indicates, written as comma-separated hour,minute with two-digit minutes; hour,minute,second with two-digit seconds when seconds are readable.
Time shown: 10,54
